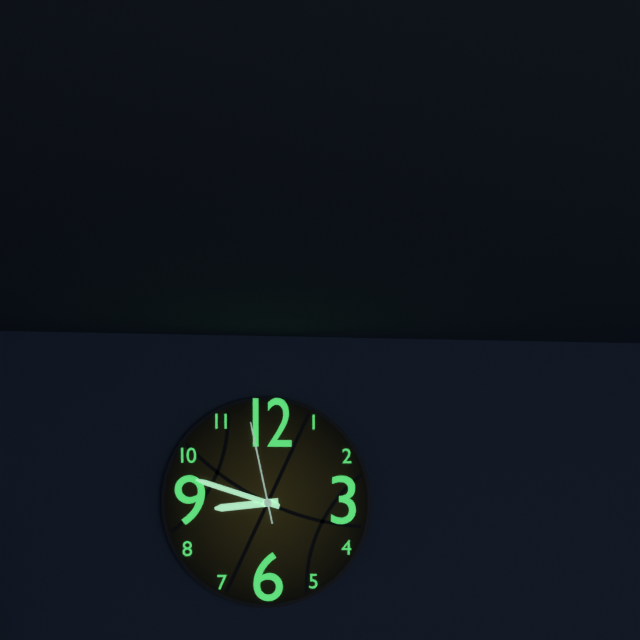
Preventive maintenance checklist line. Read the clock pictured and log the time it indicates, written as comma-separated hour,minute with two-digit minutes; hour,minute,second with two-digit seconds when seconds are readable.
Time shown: 8,48,58
